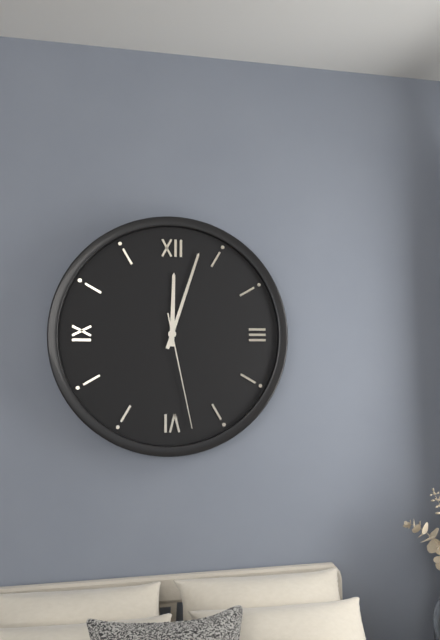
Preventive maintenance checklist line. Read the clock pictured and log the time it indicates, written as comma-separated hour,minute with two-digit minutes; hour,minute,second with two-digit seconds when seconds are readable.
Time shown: 12,03,28
